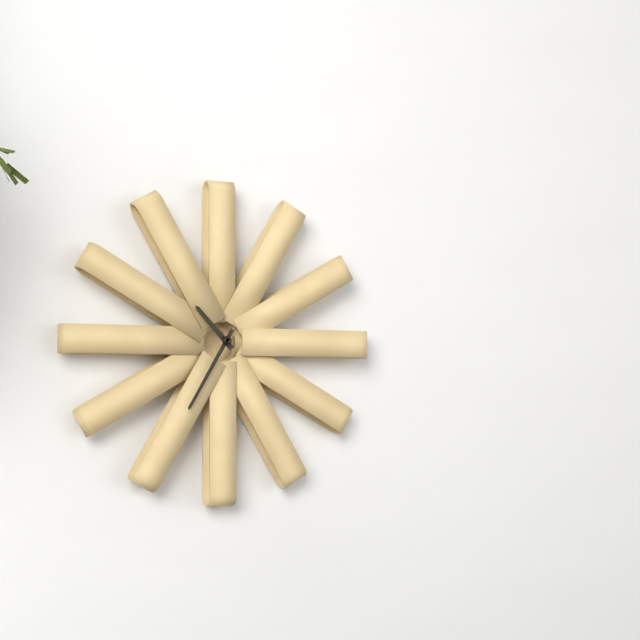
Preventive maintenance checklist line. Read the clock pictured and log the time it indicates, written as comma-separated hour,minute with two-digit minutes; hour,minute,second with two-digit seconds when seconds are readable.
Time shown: 10,35
